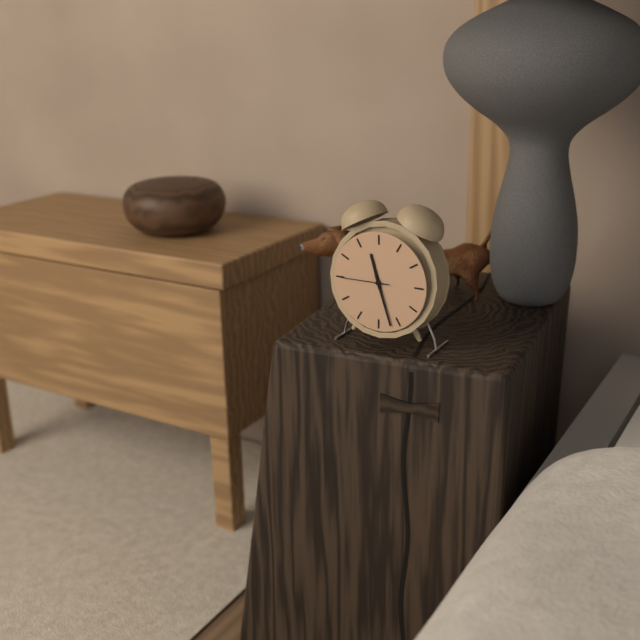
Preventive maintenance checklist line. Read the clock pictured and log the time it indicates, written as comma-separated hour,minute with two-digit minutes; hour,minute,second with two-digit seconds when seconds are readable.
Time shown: 11,27
